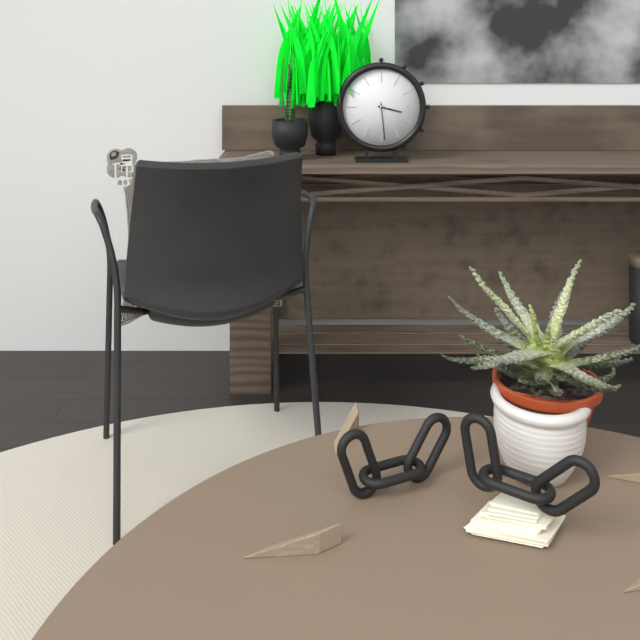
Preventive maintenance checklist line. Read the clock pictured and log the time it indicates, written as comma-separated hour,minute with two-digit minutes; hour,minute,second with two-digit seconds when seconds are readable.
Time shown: 3,29
